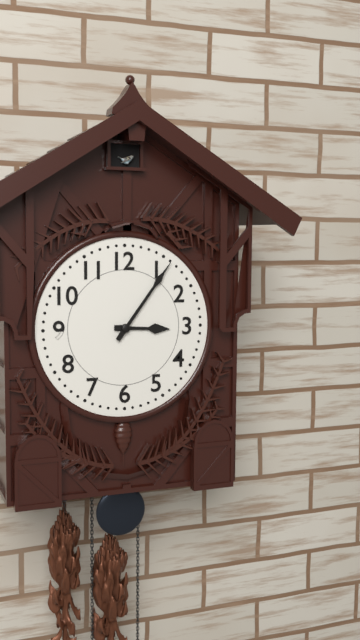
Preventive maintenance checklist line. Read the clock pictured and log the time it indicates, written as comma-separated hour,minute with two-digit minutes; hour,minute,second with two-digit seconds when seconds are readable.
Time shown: 3,06
